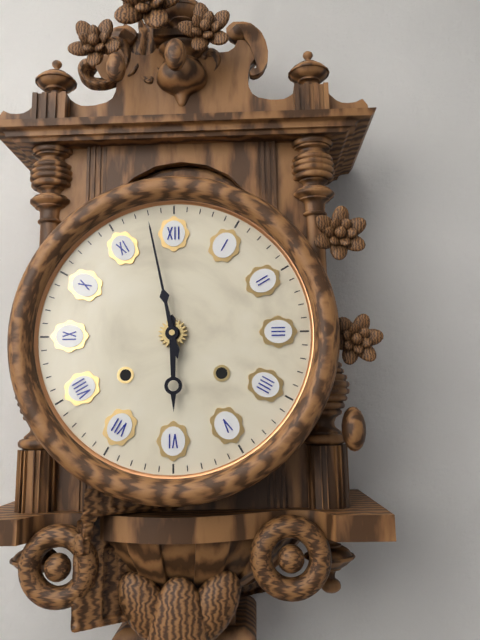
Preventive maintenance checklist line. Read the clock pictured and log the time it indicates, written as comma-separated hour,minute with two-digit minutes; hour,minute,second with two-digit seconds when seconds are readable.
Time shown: 5,58
